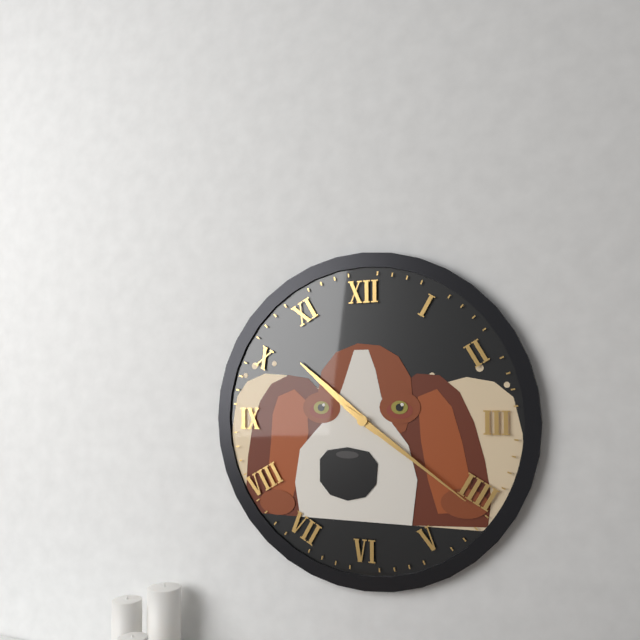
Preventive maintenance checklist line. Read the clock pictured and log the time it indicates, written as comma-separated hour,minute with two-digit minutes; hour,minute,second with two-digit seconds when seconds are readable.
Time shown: 10,21
